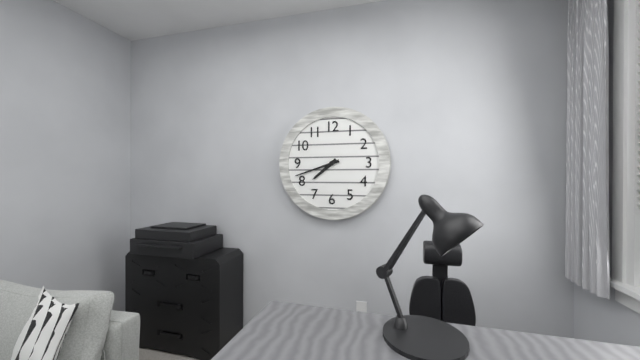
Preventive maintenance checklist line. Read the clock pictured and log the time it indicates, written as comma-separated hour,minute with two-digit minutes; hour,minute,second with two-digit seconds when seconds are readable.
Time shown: 7,42
